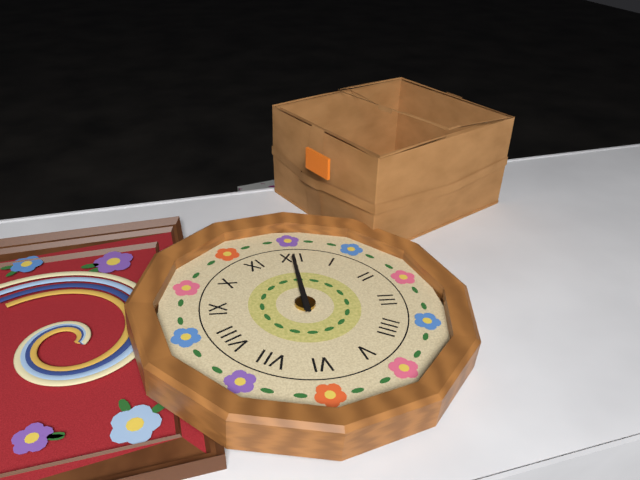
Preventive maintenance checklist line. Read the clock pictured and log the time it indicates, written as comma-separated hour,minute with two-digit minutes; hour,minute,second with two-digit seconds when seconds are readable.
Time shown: 12,00
